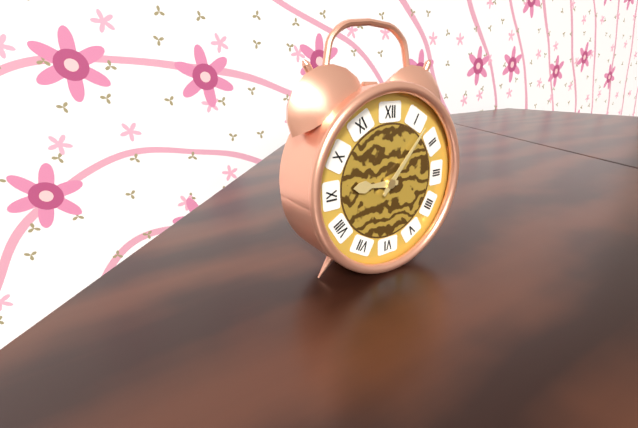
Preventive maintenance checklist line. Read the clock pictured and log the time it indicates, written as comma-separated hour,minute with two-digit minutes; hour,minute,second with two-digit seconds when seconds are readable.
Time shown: 9,07
